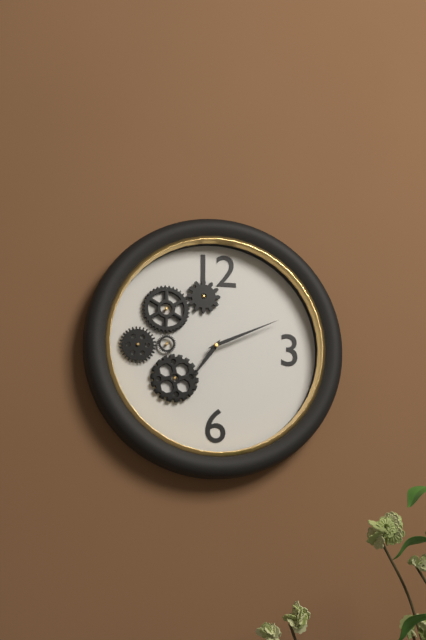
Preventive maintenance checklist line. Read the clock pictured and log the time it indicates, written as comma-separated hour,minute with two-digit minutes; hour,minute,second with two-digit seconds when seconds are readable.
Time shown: 7,11
